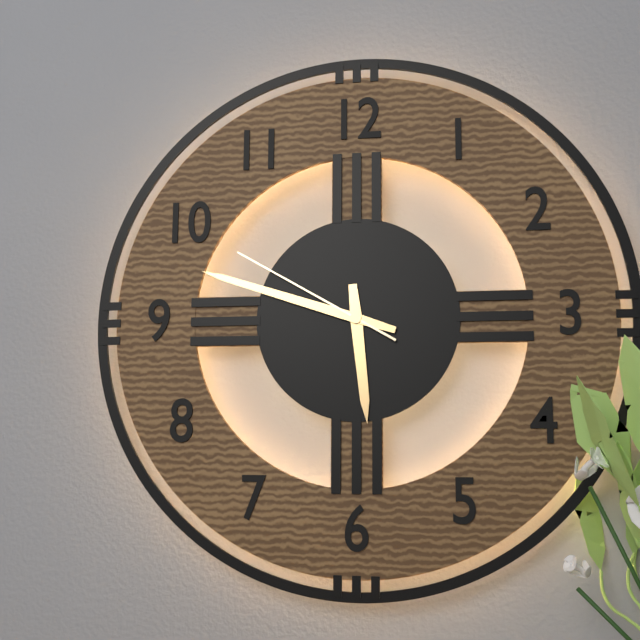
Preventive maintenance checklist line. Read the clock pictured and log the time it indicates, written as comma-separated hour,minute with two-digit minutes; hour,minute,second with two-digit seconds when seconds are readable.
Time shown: 5,48,50
